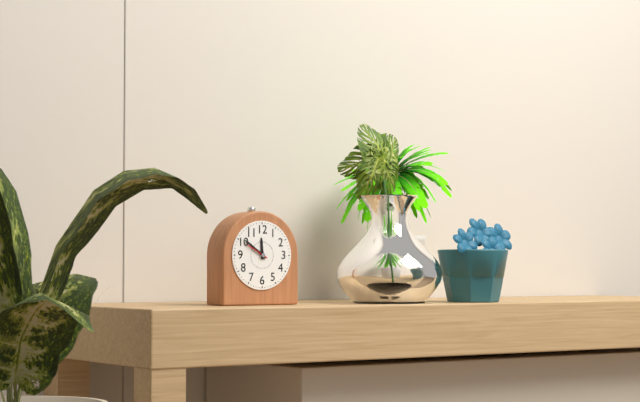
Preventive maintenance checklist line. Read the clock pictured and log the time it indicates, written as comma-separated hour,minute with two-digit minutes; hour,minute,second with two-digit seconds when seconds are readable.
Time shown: 11,51
